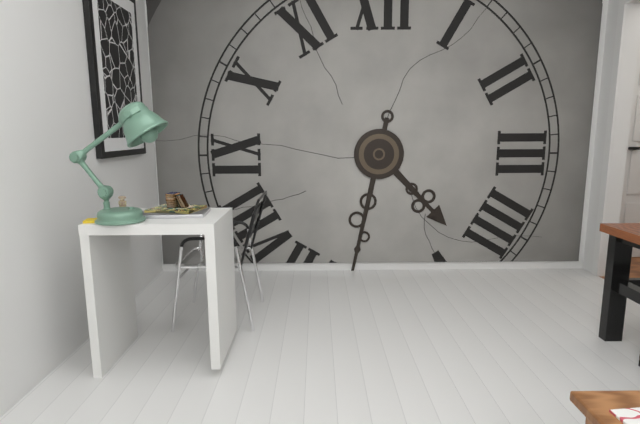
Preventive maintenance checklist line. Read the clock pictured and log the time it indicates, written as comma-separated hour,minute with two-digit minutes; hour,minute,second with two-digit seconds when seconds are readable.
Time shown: 4,32
